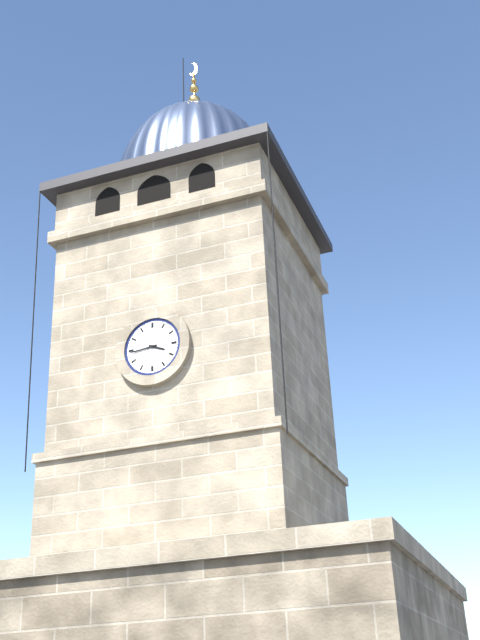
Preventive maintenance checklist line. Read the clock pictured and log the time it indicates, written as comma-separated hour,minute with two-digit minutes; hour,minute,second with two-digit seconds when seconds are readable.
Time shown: 3,44
